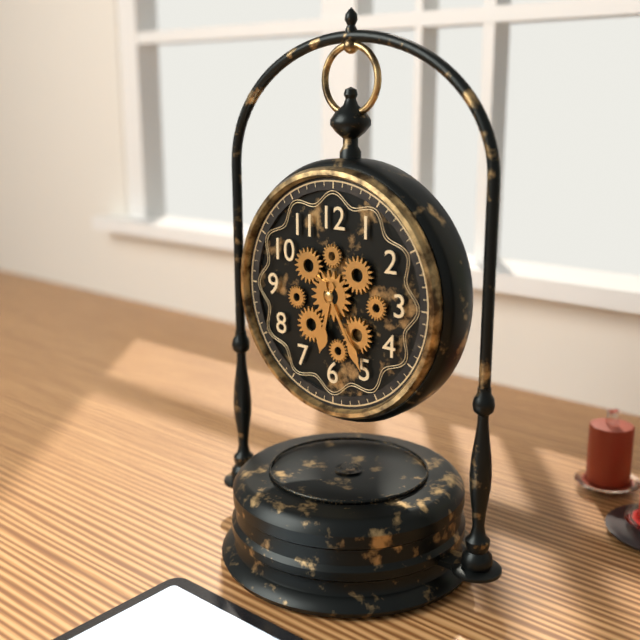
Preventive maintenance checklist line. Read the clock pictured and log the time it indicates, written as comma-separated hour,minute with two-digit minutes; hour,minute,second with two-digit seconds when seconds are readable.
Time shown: 6,25
